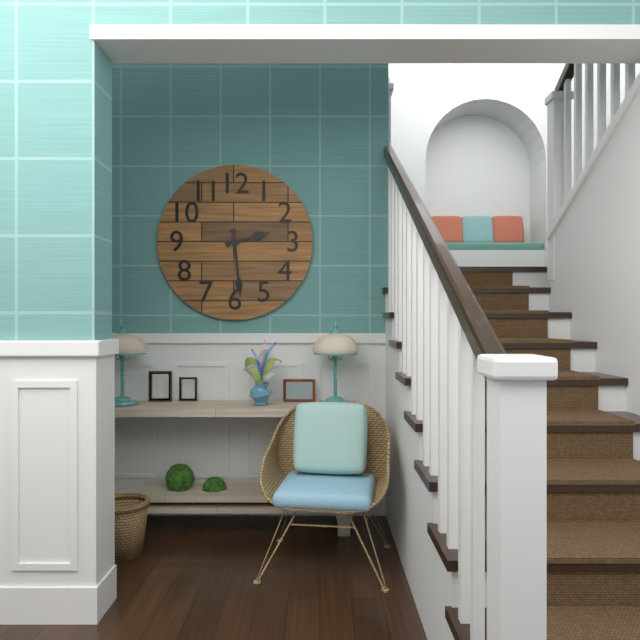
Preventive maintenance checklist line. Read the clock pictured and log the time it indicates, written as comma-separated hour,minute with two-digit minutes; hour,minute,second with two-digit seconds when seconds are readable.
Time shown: 2,29
